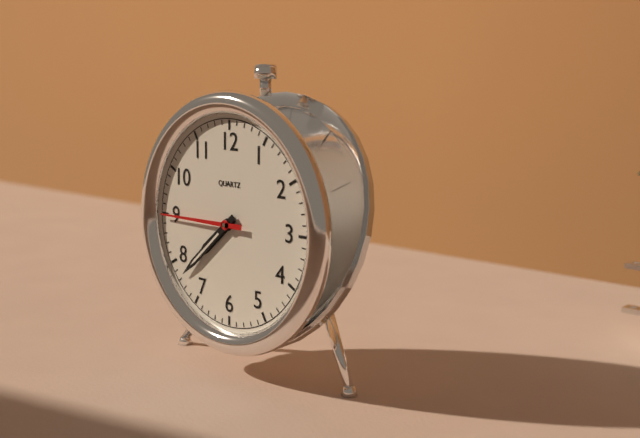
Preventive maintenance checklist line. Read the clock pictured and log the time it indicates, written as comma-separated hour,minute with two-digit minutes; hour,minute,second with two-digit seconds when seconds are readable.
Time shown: 7,38,45
